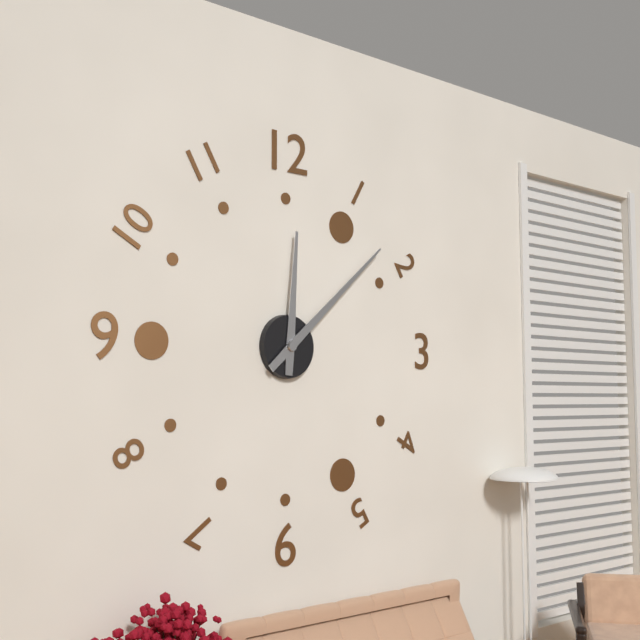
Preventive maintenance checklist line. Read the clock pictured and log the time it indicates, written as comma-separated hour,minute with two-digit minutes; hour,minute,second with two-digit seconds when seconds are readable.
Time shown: 12,08
